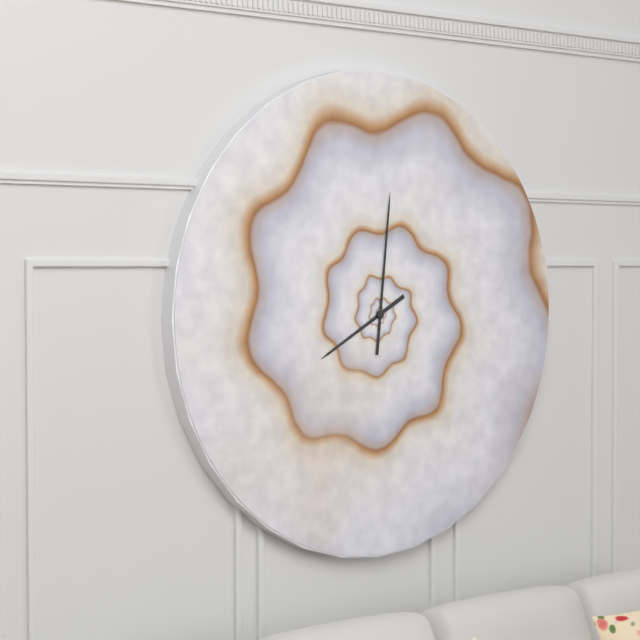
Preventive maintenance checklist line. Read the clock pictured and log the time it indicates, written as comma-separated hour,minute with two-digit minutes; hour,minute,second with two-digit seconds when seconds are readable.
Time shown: 8,01
